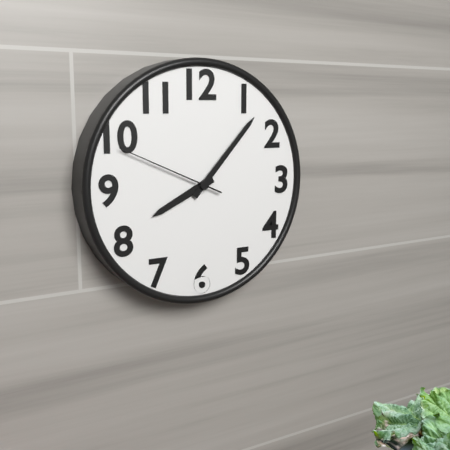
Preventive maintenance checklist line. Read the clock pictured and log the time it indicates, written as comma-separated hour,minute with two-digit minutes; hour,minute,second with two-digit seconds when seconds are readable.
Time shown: 8,07,49
